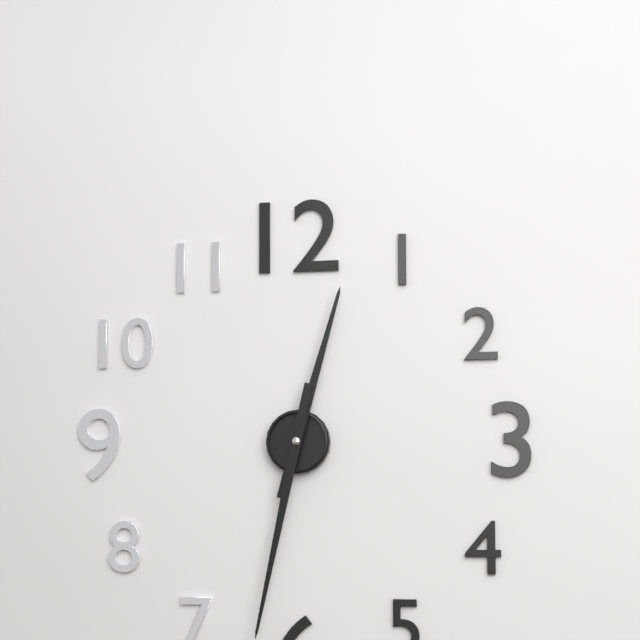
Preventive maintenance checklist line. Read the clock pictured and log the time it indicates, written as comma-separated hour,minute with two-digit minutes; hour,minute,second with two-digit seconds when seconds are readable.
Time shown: 12,32
